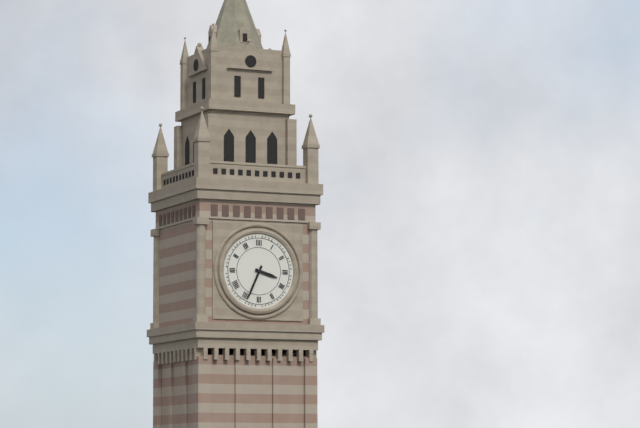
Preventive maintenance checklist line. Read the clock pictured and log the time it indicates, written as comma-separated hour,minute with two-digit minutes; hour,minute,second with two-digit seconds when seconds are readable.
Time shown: 3,34
